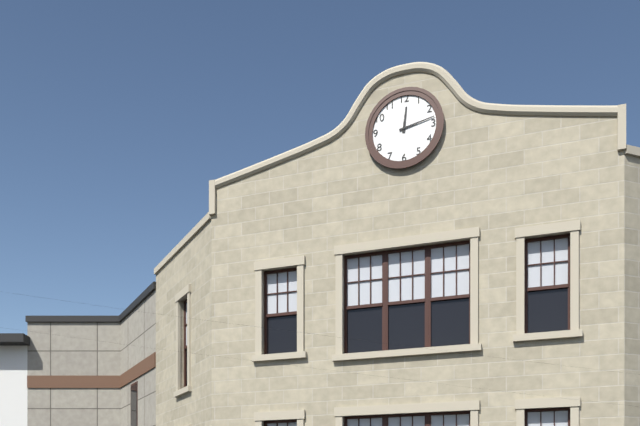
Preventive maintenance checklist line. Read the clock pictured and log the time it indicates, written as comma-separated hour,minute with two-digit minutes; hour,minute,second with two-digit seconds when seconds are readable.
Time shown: 12,13
